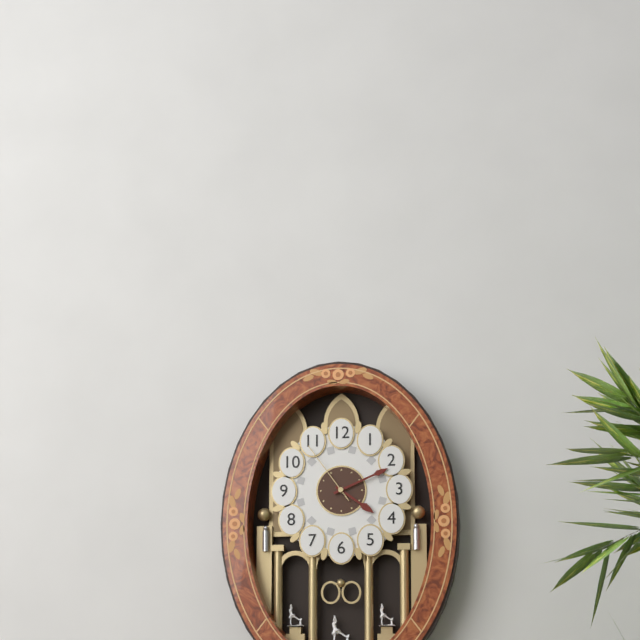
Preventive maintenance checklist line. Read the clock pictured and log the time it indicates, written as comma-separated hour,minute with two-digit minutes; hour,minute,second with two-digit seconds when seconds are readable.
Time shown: 4,11,54
